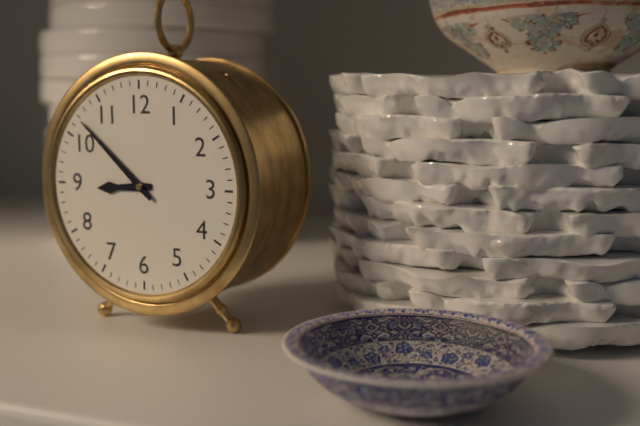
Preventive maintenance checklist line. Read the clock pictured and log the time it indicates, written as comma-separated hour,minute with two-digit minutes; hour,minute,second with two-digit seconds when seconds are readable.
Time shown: 8,52
